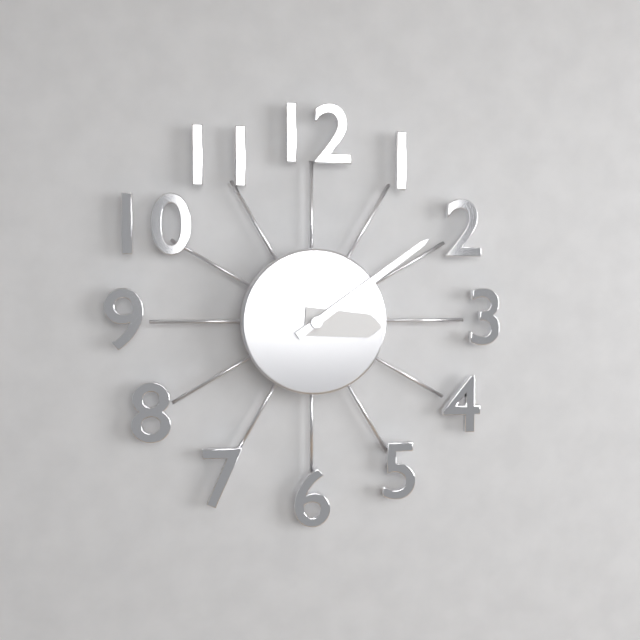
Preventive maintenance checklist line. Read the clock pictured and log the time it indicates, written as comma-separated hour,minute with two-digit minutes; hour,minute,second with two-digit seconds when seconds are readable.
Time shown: 3,09
